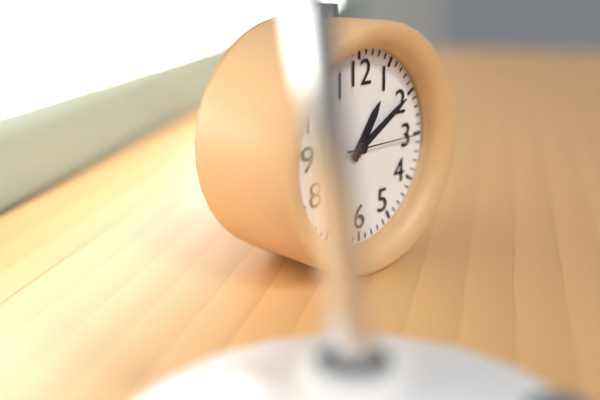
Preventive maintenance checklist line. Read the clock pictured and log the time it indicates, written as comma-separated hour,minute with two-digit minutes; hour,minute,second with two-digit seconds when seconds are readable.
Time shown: 1,10,15
